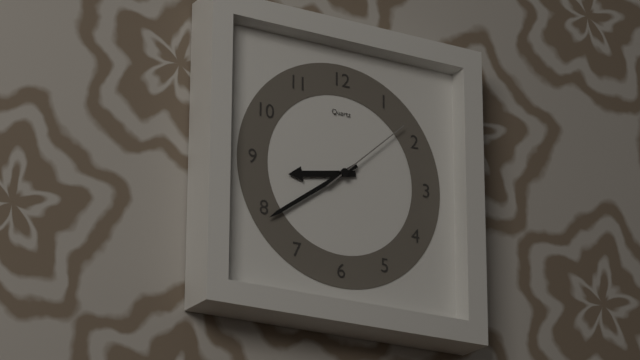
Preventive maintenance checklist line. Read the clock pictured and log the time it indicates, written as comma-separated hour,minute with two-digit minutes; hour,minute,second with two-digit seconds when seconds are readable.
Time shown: 8,39,08
